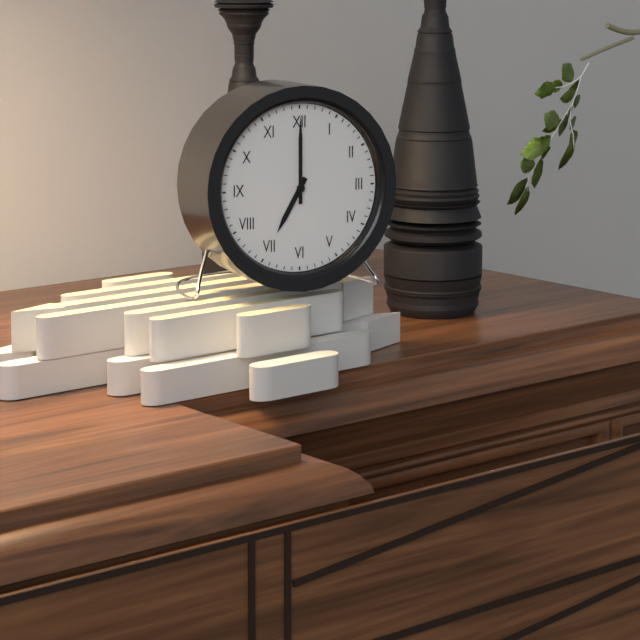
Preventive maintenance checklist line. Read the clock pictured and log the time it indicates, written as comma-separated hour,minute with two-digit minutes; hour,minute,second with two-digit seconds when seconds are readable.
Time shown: 7,00
